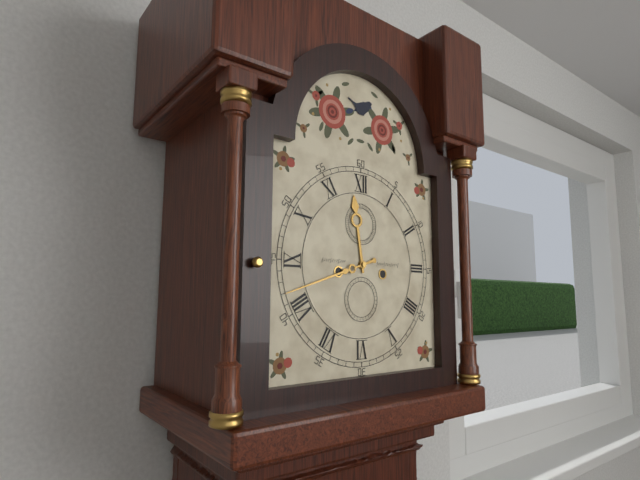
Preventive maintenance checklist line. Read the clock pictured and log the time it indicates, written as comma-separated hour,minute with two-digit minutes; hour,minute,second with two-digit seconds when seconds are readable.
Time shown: 11,42
